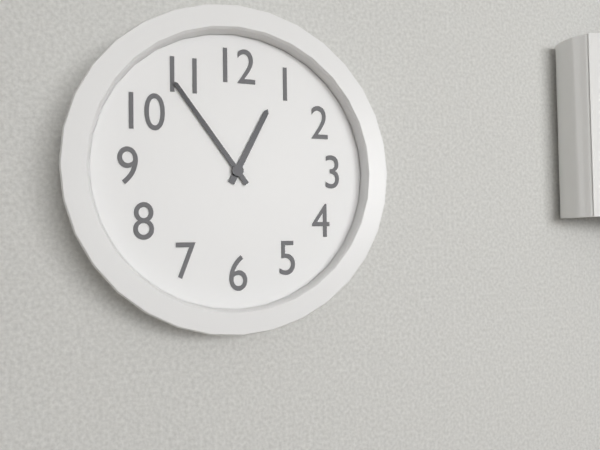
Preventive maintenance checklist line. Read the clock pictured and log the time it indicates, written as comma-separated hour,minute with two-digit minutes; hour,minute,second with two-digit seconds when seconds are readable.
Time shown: 12,54
